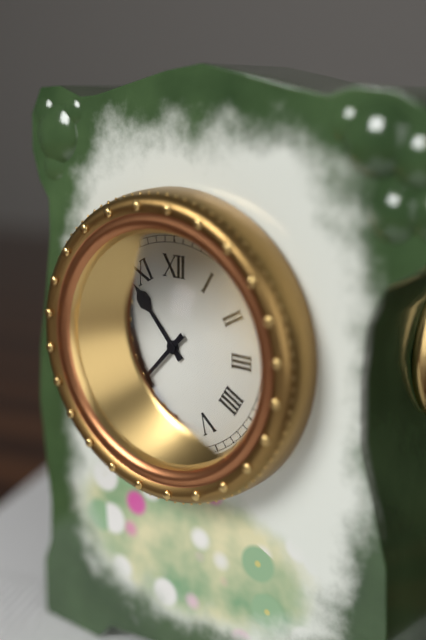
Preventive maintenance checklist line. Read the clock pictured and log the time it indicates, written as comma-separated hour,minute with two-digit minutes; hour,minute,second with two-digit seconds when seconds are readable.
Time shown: 10,37
